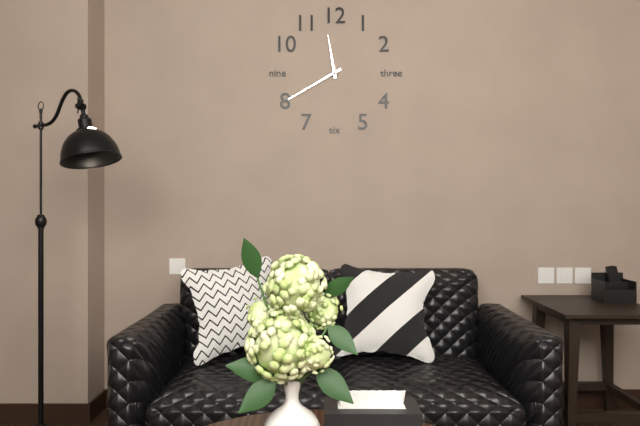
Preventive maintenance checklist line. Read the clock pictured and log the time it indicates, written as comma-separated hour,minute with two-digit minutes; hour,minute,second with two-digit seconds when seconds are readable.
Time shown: 11,40
